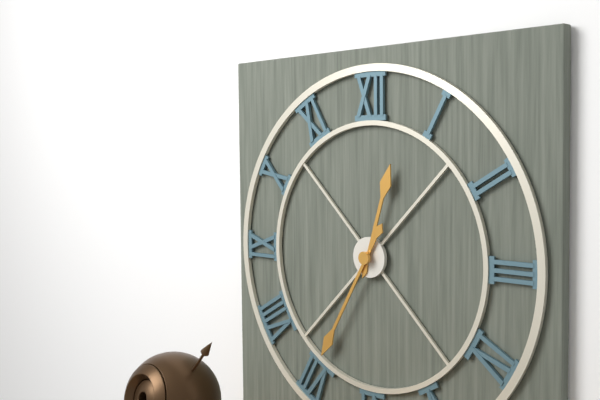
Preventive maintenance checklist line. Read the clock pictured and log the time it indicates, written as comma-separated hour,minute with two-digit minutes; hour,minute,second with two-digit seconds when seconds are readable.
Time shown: 12,35
